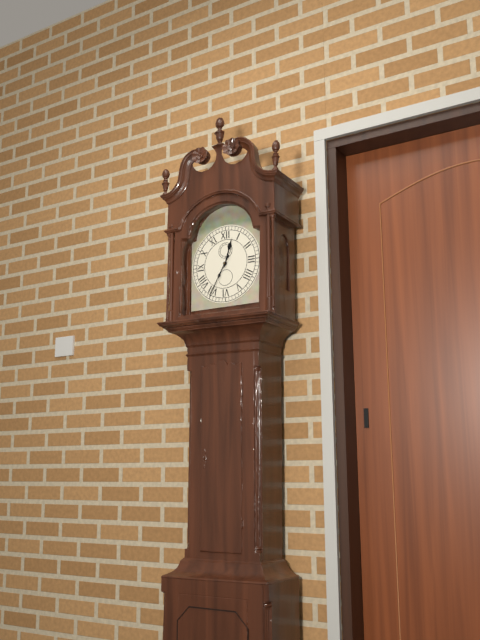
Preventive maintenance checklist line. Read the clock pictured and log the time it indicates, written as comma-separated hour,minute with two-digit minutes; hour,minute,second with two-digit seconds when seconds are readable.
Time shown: 12,35
